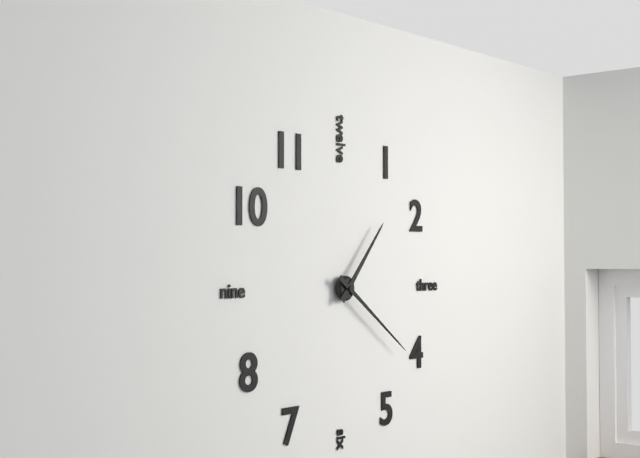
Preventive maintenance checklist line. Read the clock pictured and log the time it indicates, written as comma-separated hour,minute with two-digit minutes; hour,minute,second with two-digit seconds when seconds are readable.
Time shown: 1,21
